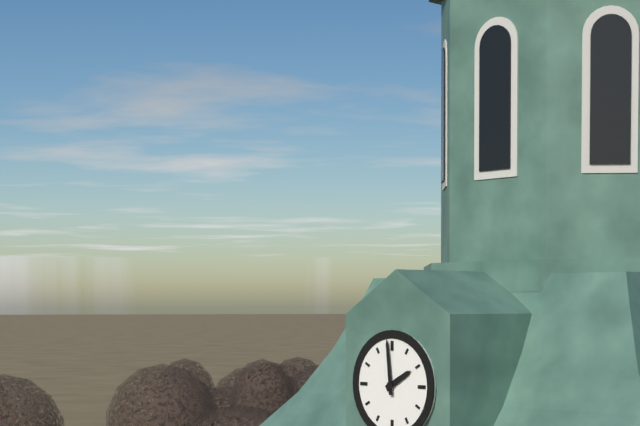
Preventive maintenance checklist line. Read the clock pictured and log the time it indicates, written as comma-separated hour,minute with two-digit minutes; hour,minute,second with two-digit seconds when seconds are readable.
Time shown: 1,59
